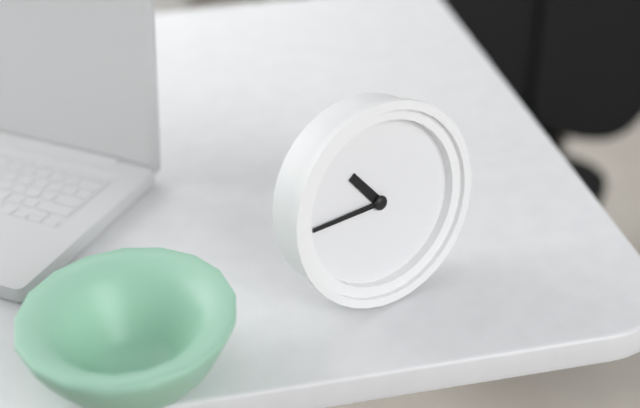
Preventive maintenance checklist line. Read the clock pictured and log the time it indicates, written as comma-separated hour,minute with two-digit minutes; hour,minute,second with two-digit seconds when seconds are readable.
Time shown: 10,45
